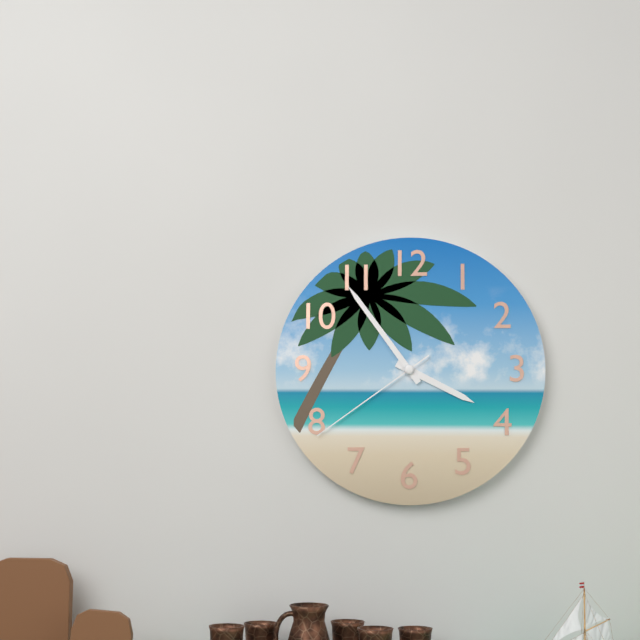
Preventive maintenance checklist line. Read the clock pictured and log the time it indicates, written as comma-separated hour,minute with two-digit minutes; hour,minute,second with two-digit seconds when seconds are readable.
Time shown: 3,54,39
